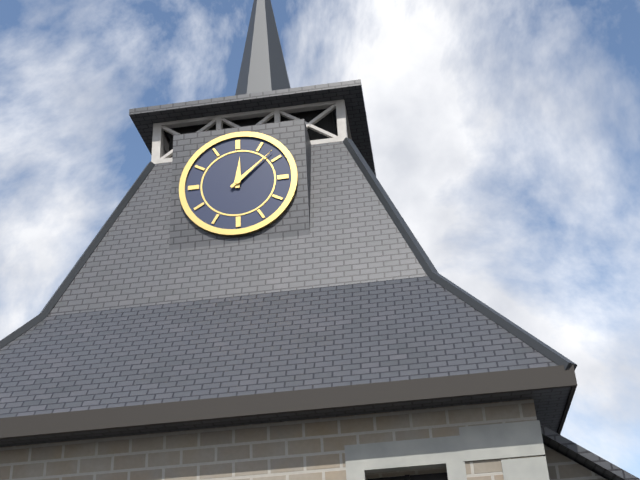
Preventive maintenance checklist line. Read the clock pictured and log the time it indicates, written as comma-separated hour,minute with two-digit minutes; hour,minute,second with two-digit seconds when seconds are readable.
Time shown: 12,08
